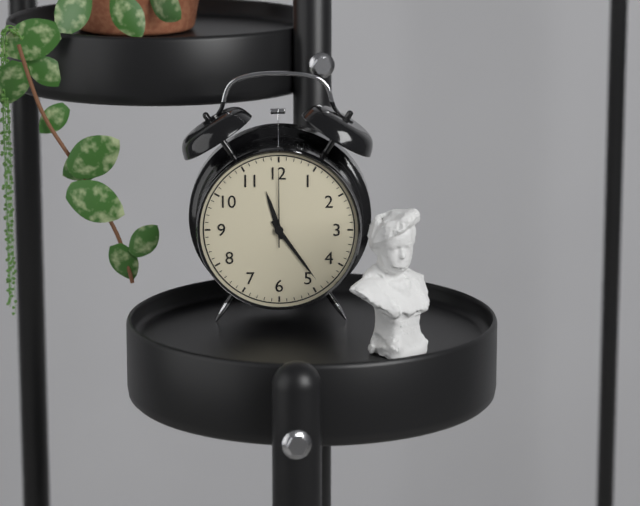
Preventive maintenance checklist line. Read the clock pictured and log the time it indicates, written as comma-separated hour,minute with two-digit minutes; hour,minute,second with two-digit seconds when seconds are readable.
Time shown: 11,24,00
